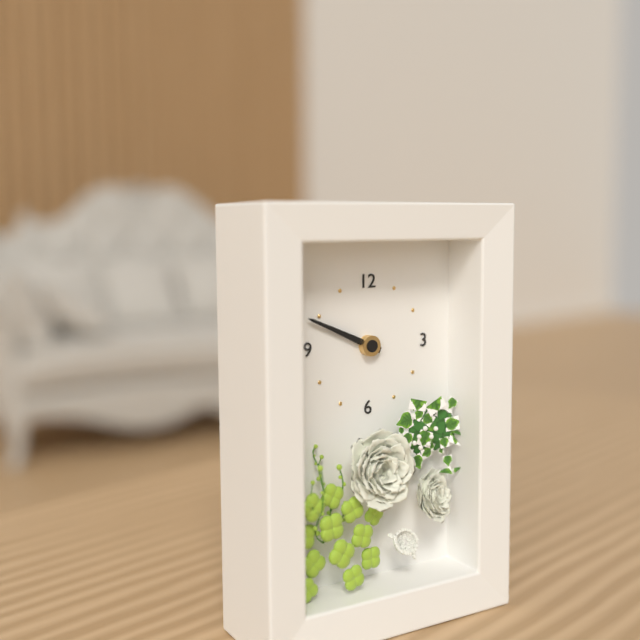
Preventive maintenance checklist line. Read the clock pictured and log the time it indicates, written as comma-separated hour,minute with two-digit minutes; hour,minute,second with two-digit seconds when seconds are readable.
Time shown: 9,49
